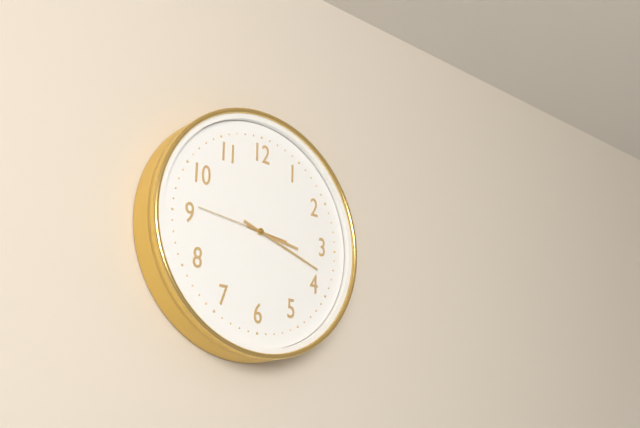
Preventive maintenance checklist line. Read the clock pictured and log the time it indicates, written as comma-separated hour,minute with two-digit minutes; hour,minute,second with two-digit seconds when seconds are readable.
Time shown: 3,18,46
